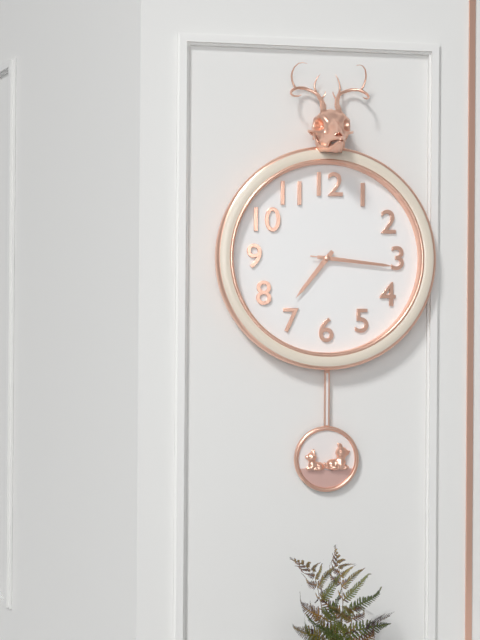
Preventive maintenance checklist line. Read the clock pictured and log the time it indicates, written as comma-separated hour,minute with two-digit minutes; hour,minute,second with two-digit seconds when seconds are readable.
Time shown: 7,16,16
